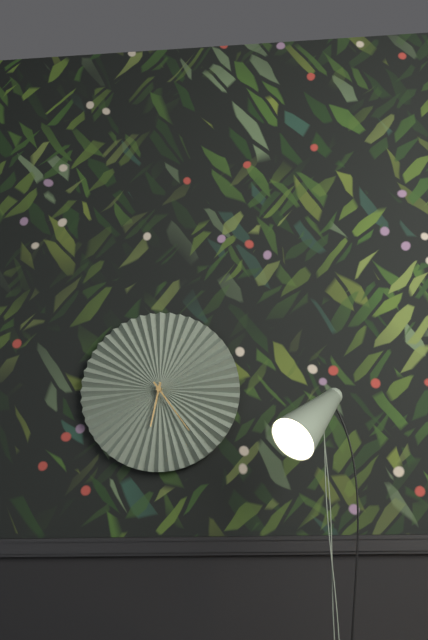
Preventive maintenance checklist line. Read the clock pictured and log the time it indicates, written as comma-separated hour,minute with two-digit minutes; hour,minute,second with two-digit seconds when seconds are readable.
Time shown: 6,24
